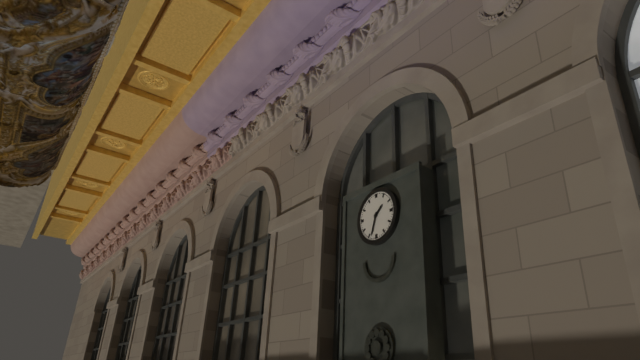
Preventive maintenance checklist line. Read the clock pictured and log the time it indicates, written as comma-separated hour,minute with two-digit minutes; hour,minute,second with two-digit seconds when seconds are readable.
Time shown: 1,33
